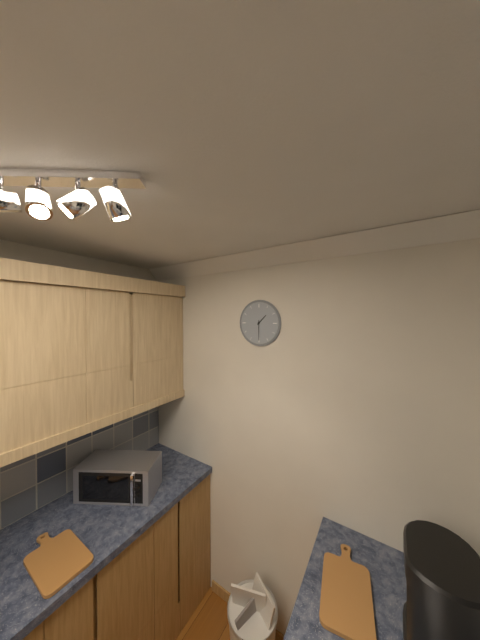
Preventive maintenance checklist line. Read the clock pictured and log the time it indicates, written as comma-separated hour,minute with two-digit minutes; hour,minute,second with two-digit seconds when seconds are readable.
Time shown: 1,30
